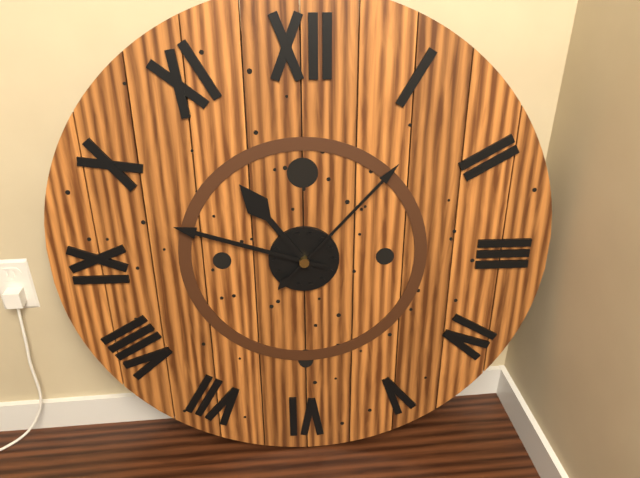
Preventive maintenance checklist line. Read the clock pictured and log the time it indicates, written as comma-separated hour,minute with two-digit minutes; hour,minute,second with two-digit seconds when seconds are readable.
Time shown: 10,48,07
